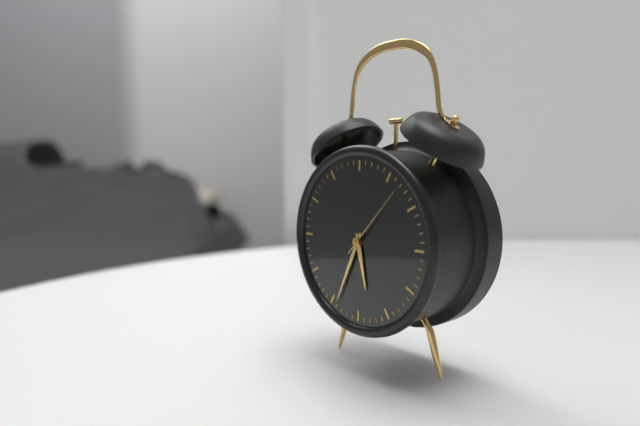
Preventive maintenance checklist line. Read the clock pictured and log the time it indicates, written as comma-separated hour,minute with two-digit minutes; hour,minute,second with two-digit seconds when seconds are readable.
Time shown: 5,34,07
